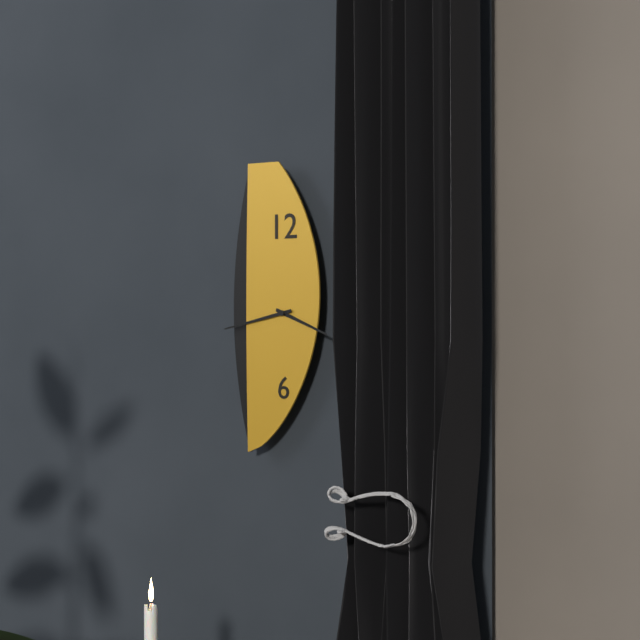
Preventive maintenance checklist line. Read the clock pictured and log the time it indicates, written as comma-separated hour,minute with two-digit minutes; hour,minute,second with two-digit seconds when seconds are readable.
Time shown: 3,43
